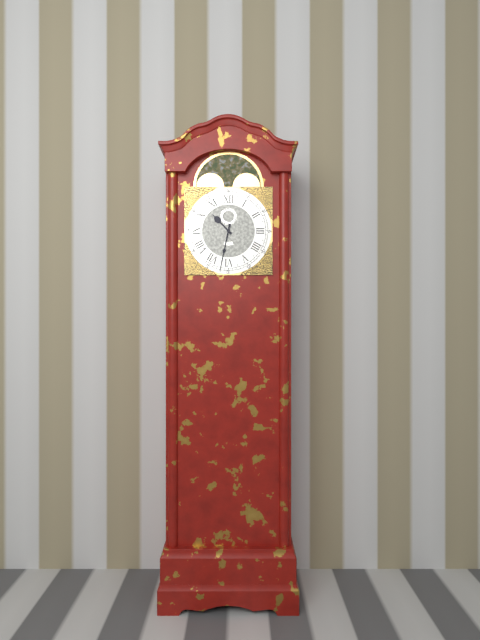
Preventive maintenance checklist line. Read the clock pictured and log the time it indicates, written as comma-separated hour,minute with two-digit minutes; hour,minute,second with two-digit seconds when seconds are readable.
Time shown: 10,32
